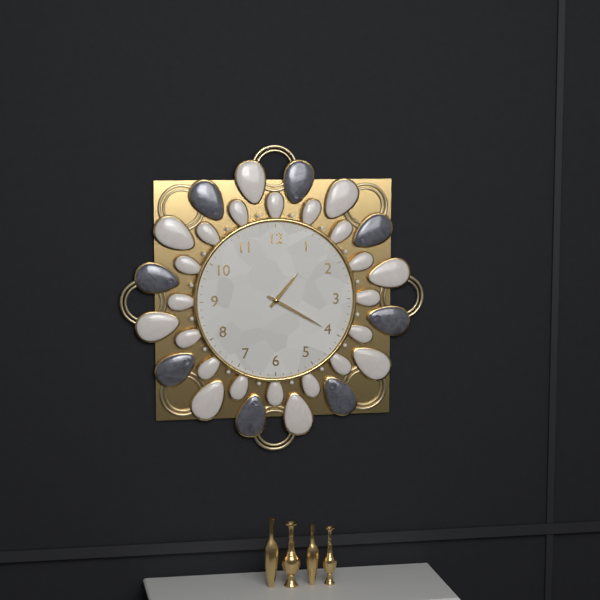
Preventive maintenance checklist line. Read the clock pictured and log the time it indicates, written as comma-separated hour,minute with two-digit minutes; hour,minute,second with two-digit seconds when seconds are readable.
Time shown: 1,20
